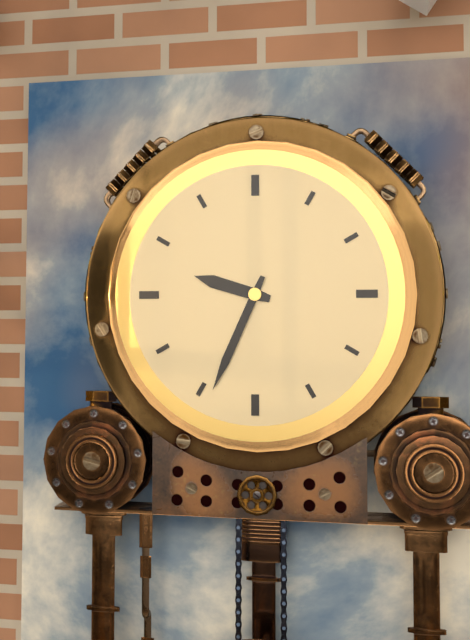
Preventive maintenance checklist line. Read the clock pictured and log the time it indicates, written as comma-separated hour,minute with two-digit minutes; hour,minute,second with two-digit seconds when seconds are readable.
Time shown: 9,34
